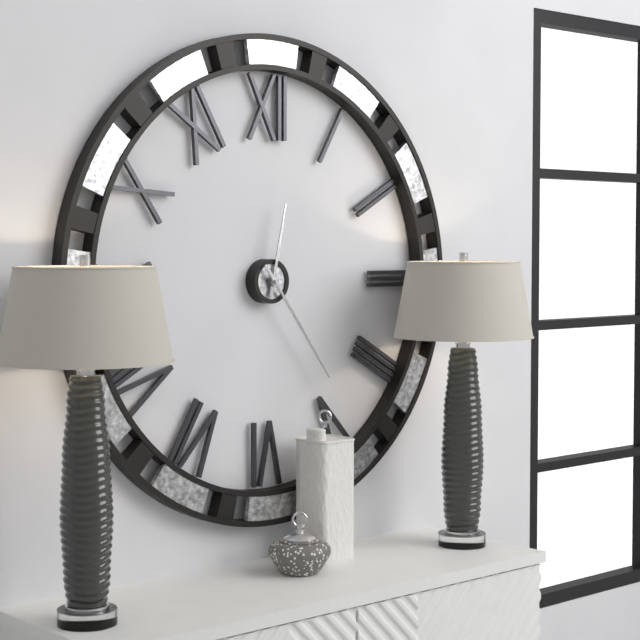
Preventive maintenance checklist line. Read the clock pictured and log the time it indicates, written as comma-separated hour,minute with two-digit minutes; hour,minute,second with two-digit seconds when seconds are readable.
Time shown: 12,24
